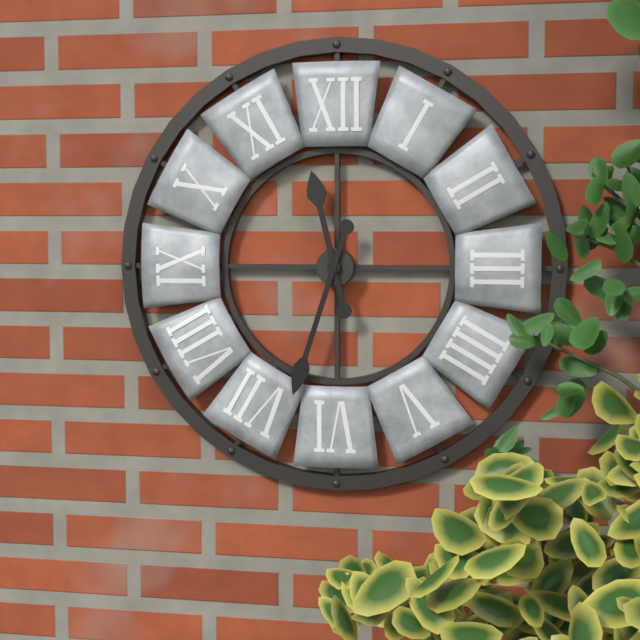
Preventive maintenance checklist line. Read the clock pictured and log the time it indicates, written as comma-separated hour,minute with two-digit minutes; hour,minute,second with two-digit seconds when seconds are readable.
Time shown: 11,33
